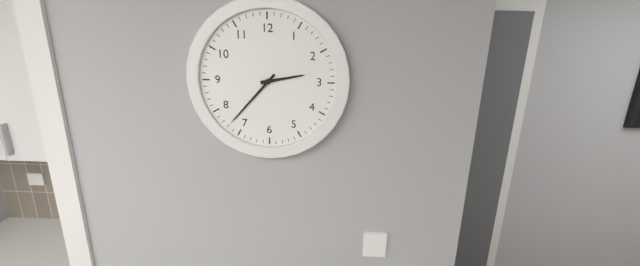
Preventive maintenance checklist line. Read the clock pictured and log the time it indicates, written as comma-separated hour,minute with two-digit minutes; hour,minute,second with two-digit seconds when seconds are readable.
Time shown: 2,37
